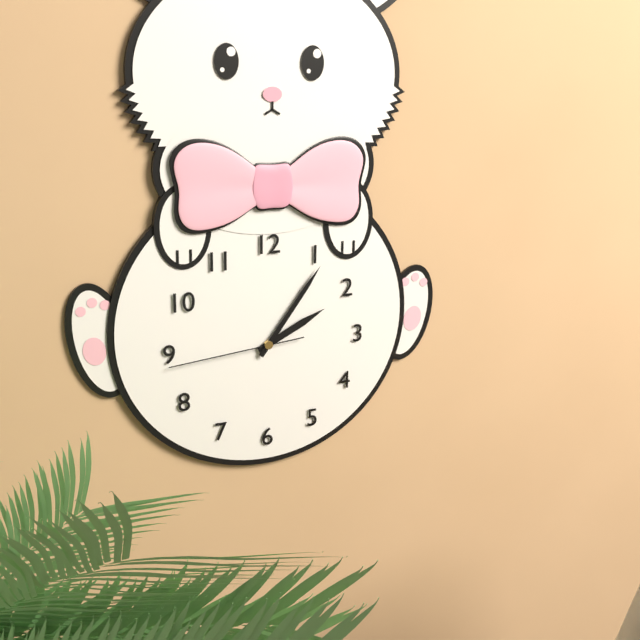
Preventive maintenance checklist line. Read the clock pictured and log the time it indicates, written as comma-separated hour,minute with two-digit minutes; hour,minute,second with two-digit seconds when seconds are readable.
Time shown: 2,06,44
